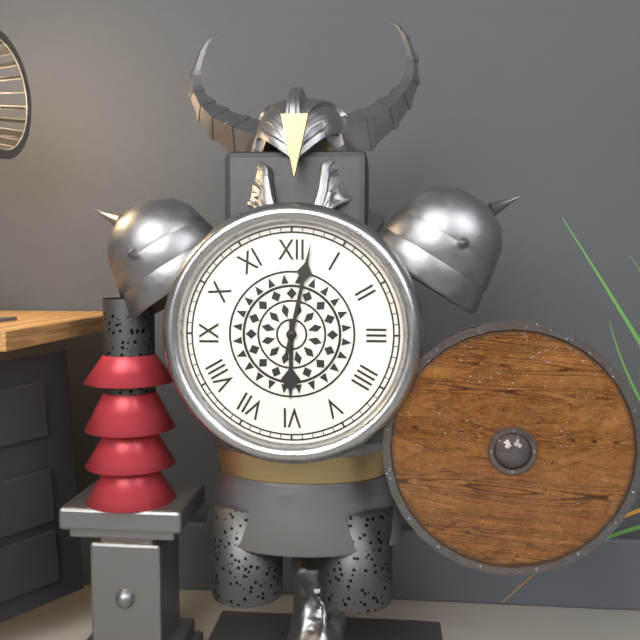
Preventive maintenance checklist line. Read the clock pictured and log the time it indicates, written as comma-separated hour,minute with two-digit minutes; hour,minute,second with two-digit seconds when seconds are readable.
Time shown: 6,02
